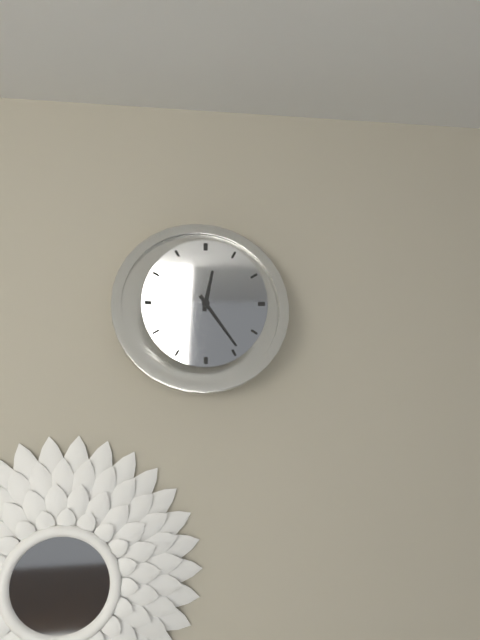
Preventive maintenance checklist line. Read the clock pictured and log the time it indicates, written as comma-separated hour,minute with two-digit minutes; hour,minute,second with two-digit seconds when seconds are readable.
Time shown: 12,24
